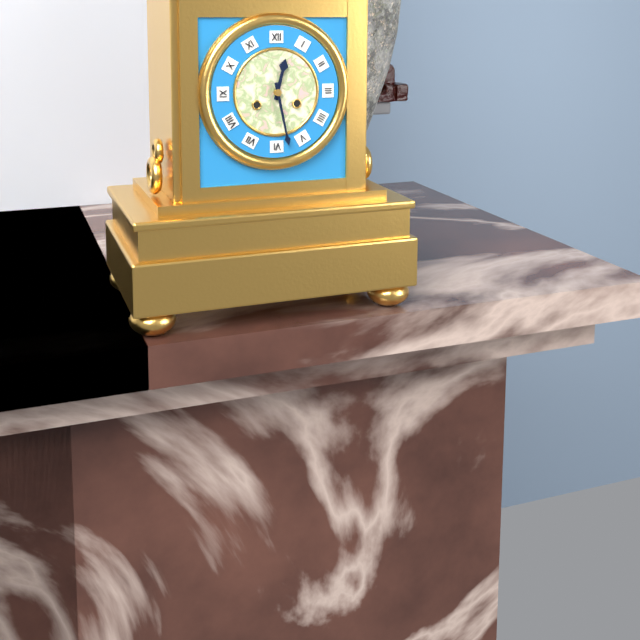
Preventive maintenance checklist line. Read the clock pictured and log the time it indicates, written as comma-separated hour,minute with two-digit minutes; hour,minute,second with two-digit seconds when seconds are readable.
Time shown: 12,28
